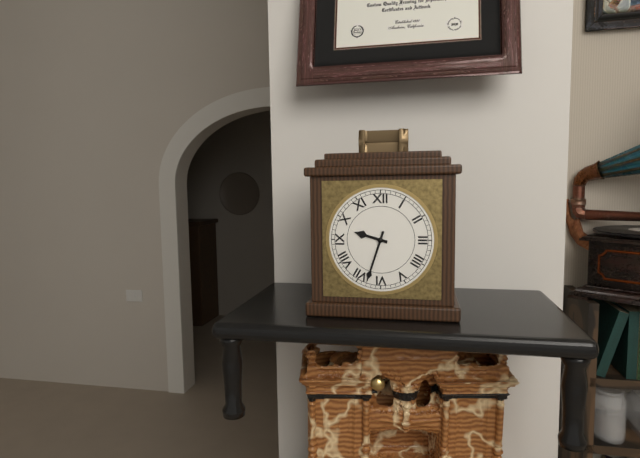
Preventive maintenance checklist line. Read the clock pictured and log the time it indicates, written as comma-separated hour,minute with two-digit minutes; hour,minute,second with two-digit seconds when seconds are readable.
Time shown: 9,33
